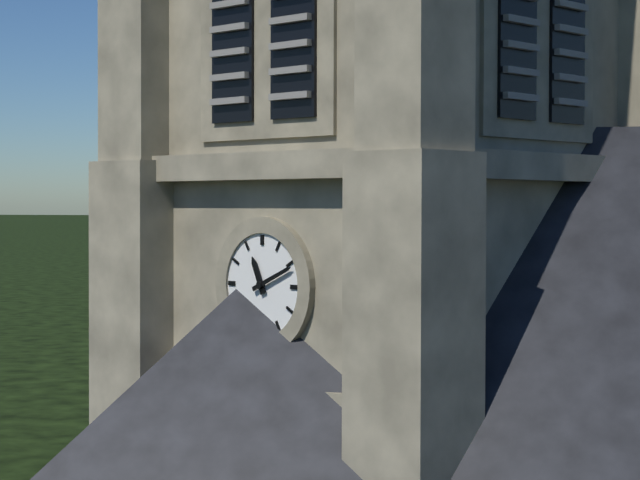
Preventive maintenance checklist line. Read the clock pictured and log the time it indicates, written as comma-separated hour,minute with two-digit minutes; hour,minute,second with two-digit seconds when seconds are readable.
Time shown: 11,11
